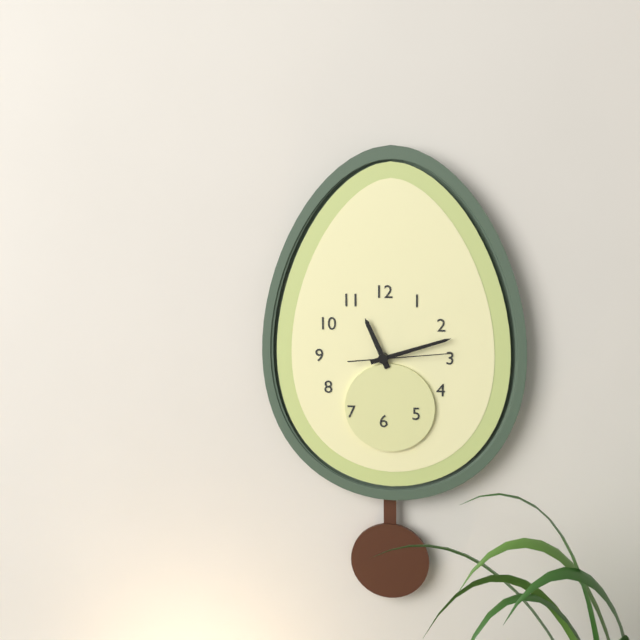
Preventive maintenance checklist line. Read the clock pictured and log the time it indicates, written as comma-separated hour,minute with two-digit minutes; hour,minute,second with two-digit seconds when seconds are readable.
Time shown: 11,12,14
